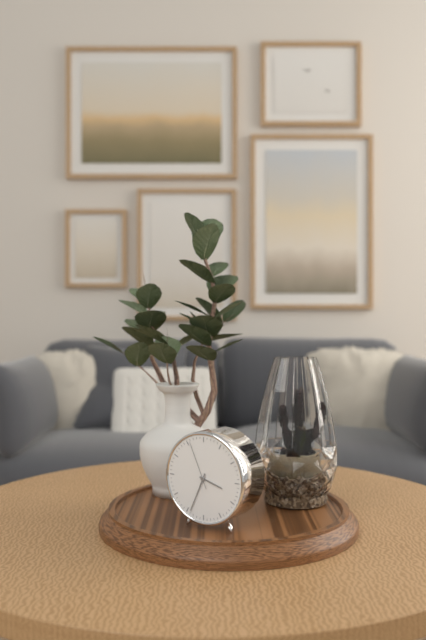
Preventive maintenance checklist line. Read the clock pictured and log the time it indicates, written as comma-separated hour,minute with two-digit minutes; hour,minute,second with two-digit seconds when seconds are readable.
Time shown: 3,34
